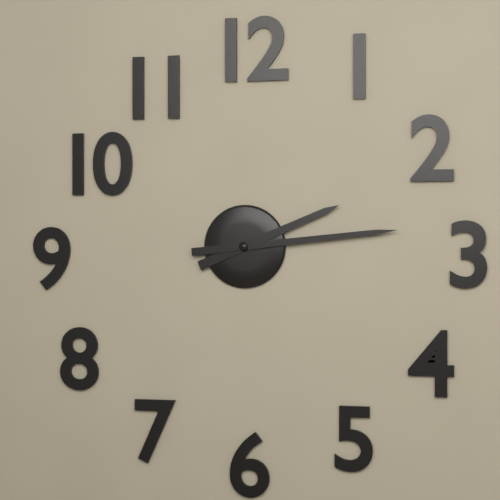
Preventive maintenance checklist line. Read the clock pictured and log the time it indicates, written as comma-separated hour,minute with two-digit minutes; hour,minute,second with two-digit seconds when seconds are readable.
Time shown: 2,14
